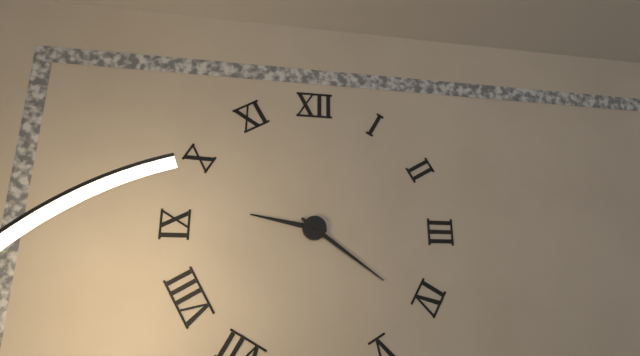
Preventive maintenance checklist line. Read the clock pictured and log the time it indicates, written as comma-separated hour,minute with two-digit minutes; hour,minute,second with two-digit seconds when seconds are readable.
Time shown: 9,21
